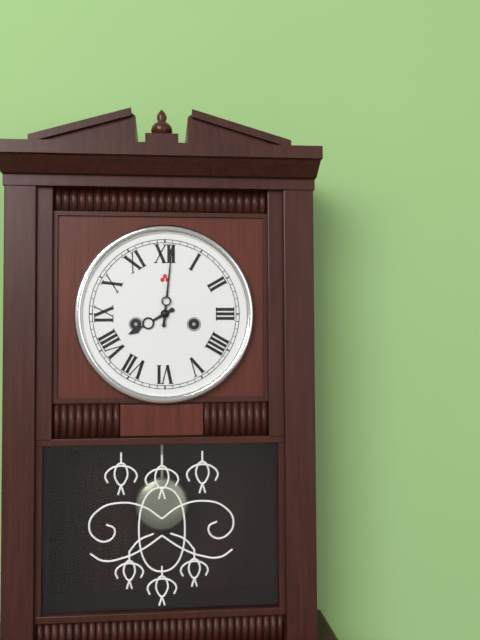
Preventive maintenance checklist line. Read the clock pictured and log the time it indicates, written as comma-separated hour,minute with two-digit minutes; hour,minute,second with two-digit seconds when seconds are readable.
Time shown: 8,01
